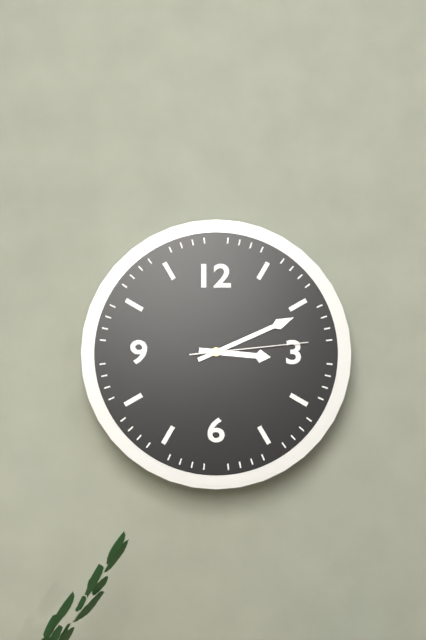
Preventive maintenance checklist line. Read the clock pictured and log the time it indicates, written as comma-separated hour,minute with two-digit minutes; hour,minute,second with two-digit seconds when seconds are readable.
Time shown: 3,11,14
